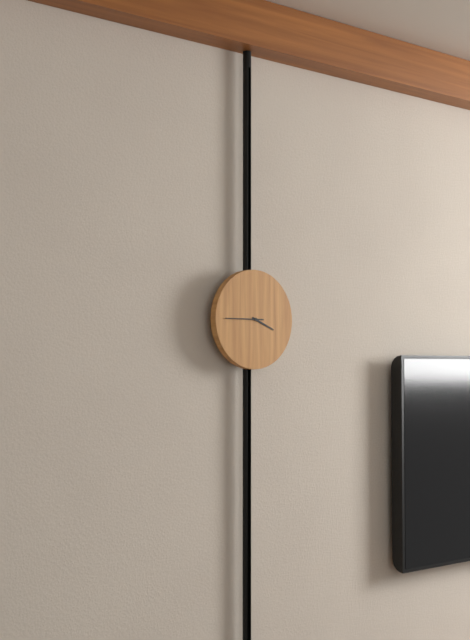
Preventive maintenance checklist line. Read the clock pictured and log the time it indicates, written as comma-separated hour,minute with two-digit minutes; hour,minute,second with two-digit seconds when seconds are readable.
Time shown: 3,45
